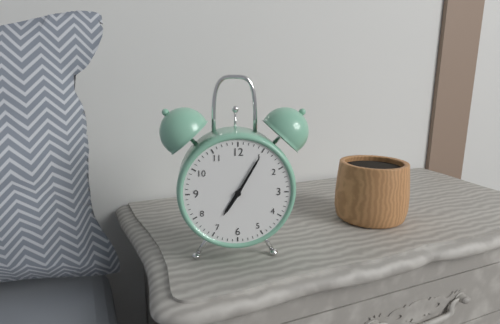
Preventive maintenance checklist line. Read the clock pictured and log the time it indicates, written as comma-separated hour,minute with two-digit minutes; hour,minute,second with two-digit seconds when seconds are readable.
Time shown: 7,05
